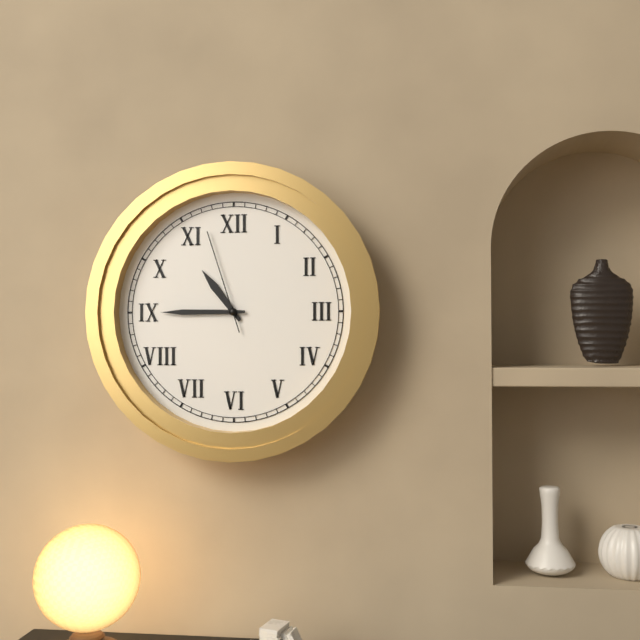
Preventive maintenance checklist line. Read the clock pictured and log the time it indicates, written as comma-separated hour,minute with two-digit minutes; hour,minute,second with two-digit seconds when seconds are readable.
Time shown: 10,45,57
